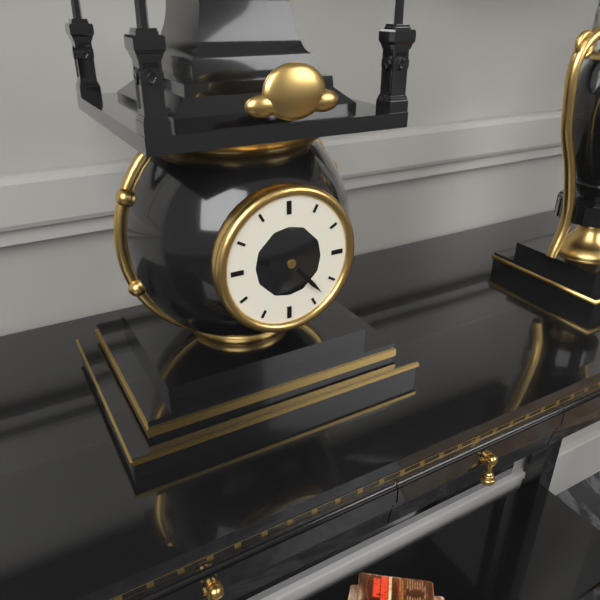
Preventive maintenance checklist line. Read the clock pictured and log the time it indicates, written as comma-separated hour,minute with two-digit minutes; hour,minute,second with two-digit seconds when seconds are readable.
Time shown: 9,23
